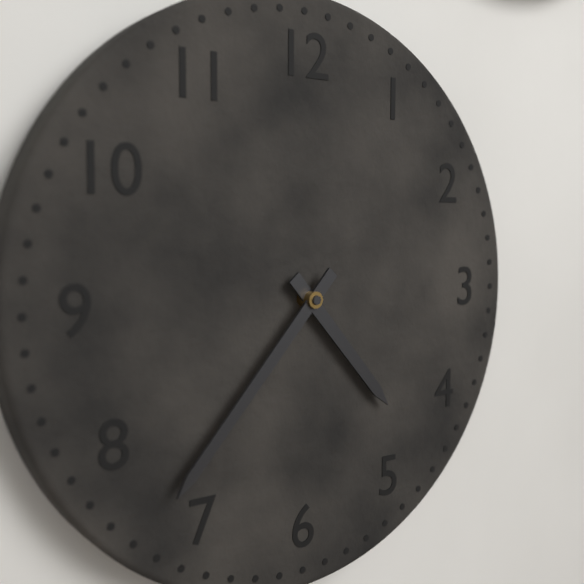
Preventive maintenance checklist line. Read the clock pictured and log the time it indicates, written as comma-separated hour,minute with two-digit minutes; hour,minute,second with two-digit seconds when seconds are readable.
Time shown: 4,37
